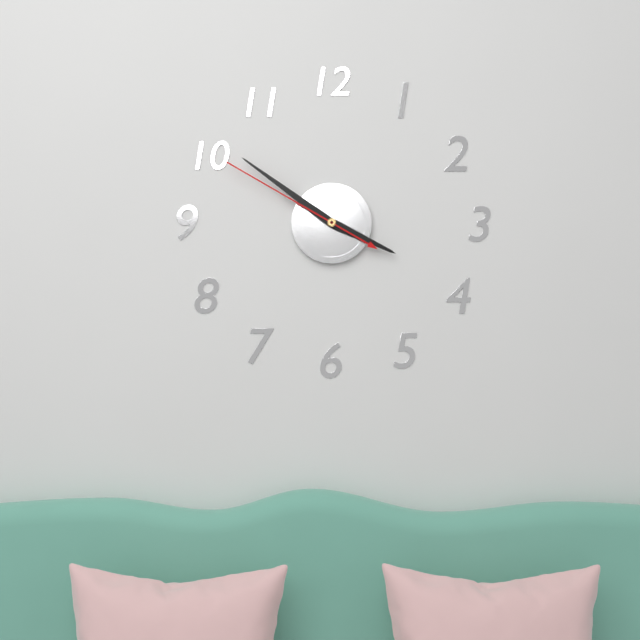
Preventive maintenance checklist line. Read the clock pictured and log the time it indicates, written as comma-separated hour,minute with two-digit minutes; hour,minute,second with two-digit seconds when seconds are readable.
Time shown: 3,51,50
